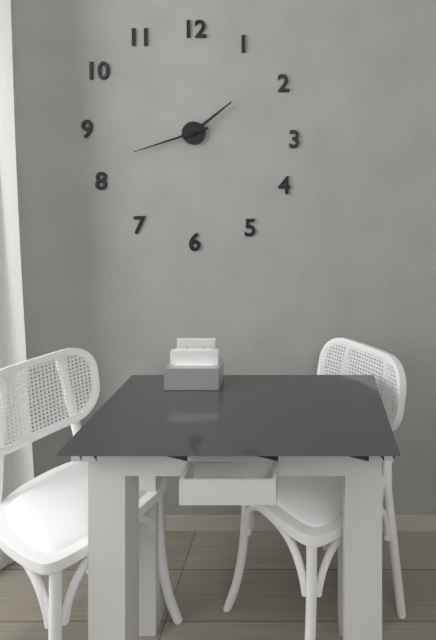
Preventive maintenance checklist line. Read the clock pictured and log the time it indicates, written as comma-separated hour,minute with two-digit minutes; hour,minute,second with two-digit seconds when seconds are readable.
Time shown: 1,42
